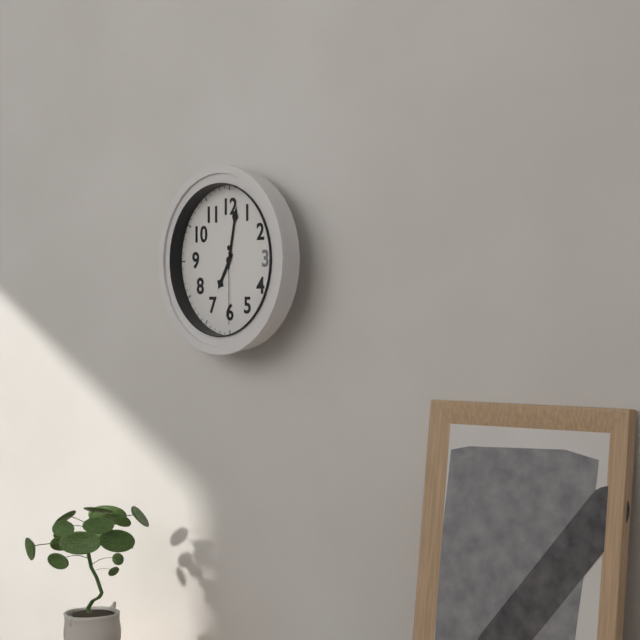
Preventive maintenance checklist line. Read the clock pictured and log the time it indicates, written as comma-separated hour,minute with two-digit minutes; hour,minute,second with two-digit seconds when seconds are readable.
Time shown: 7,02,30
